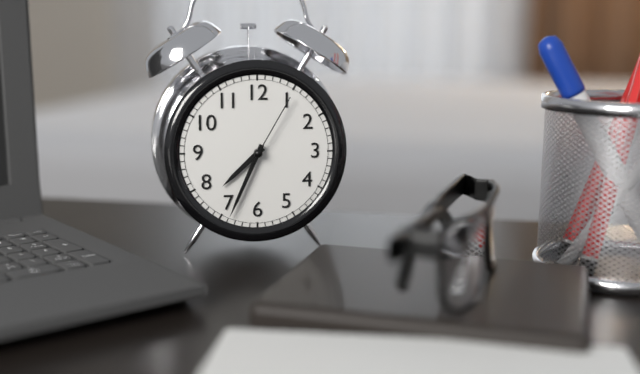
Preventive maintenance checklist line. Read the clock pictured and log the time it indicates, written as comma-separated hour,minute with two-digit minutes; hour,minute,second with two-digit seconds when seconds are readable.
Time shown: 7,34,05
